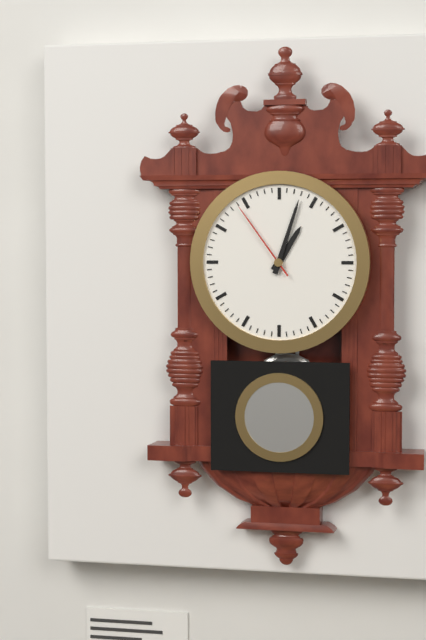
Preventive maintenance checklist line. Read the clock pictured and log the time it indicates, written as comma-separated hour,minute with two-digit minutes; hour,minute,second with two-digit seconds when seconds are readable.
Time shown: 1,03,54
